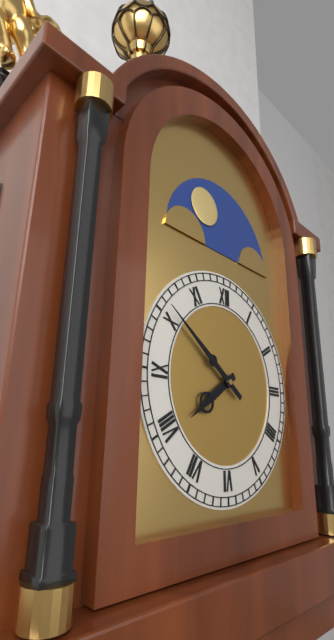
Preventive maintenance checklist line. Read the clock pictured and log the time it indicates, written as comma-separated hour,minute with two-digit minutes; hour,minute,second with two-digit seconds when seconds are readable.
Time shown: 7,51
